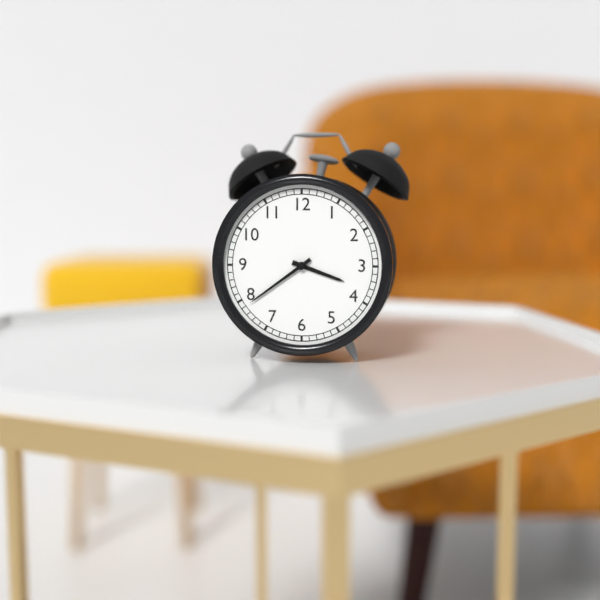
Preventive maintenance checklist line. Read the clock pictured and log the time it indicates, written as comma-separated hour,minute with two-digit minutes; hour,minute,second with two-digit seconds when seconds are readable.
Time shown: 3,39
